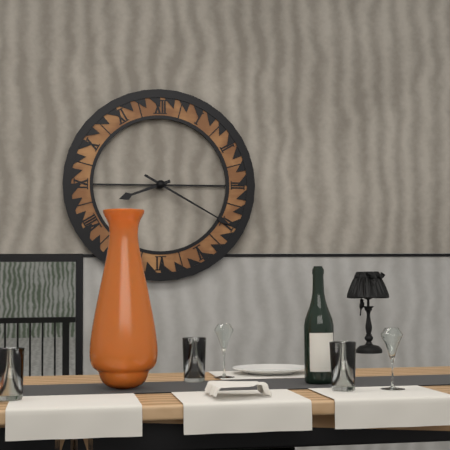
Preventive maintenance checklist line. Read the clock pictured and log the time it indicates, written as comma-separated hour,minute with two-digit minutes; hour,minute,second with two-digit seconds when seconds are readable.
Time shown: 8,20
